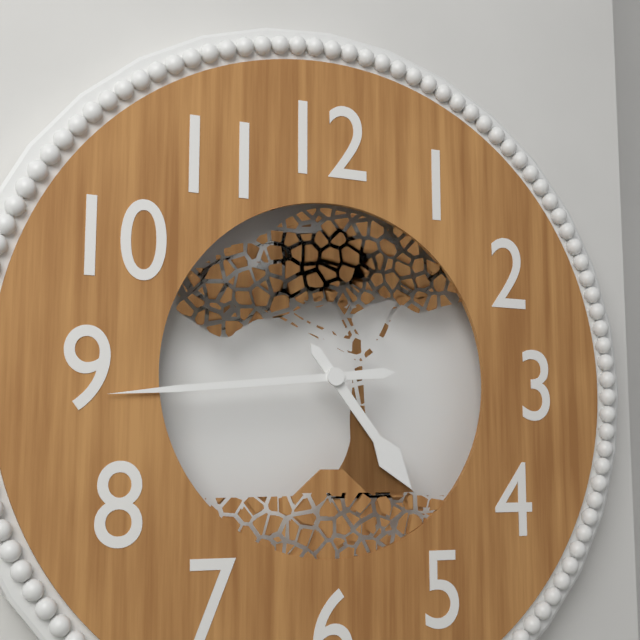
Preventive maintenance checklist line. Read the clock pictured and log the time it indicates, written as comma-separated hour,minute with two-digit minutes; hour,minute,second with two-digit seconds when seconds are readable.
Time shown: 4,44
